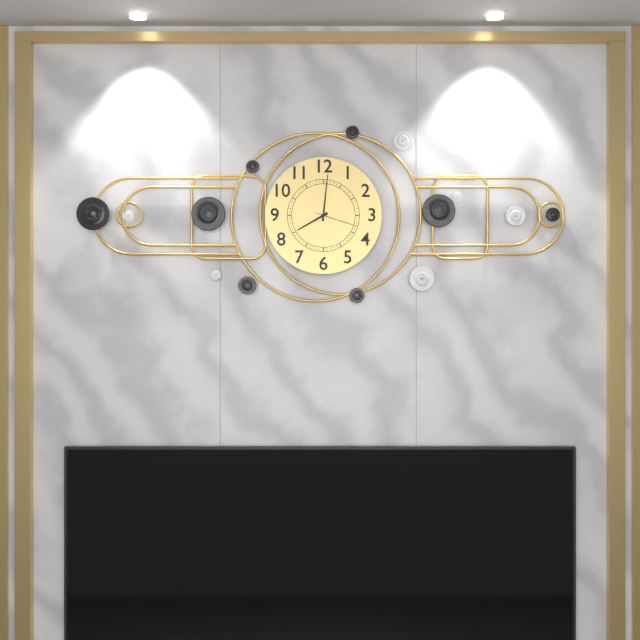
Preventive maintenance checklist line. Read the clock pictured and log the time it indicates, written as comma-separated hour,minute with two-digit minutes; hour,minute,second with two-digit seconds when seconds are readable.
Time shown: 8,01
